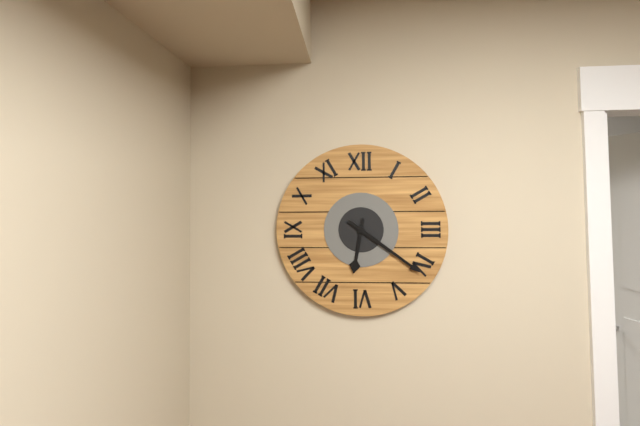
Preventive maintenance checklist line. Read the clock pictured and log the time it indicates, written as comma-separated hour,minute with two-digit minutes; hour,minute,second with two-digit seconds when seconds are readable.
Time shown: 6,21
